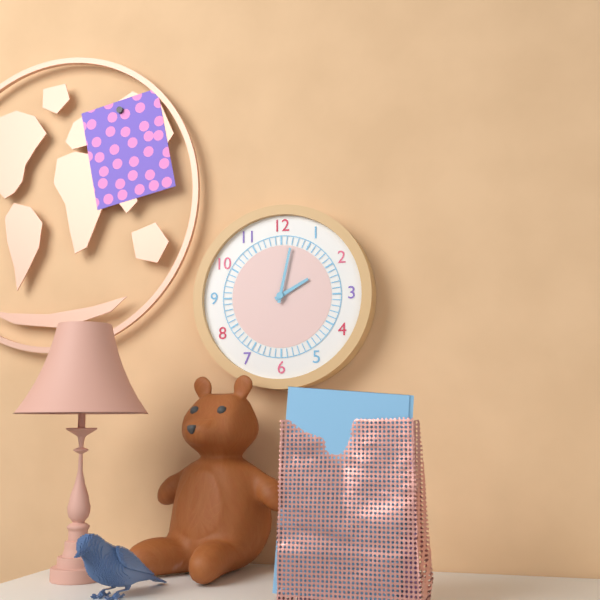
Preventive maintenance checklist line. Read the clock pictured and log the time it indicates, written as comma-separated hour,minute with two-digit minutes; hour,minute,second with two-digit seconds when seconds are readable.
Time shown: 2,02
